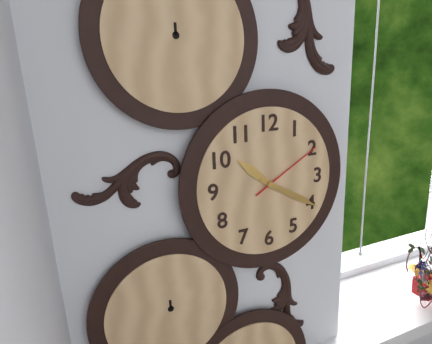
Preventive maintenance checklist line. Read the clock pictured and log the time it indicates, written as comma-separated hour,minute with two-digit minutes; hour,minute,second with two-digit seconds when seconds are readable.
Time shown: 10,20,10
